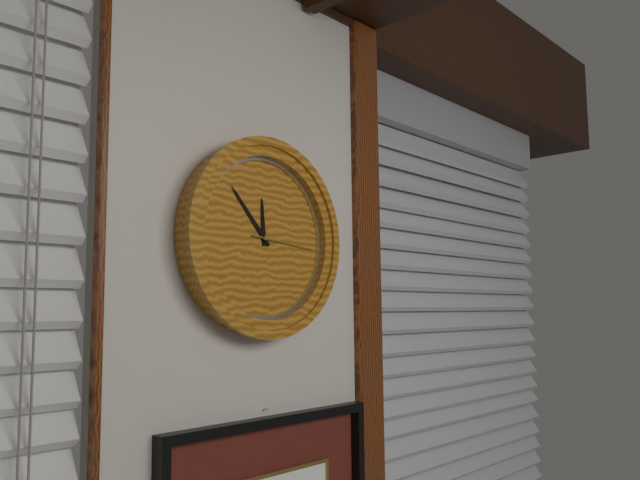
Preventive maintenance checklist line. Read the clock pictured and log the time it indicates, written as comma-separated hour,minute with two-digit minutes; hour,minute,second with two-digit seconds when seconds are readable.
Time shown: 11,53,16
